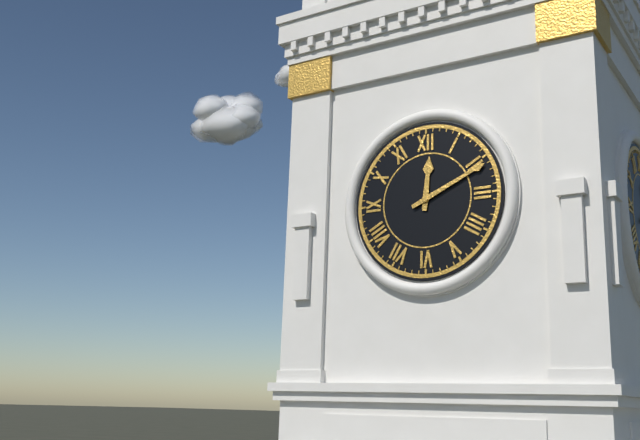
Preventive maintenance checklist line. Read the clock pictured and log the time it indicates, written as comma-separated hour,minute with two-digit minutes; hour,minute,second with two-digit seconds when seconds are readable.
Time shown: 12,11
